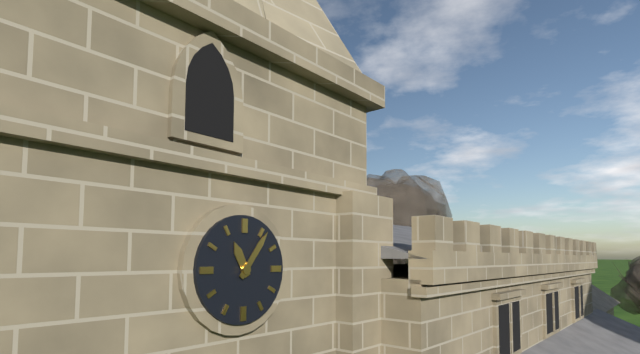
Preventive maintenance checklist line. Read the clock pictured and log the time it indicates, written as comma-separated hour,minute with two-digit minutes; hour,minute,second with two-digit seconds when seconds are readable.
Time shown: 11,06
